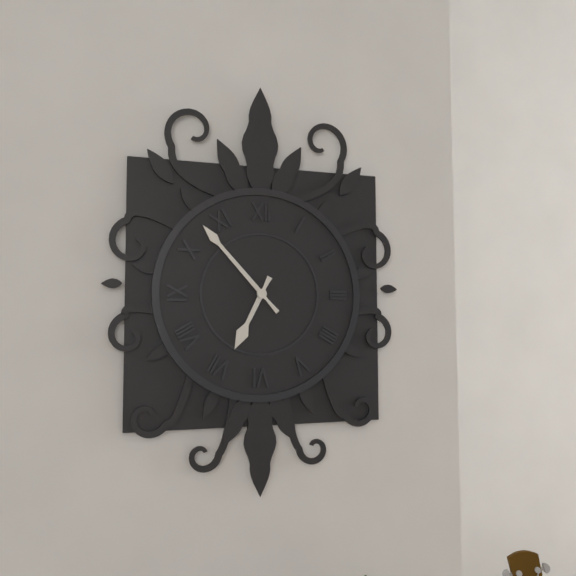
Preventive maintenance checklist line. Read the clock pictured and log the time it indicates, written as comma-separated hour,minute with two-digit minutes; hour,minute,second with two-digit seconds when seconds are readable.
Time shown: 6,53
